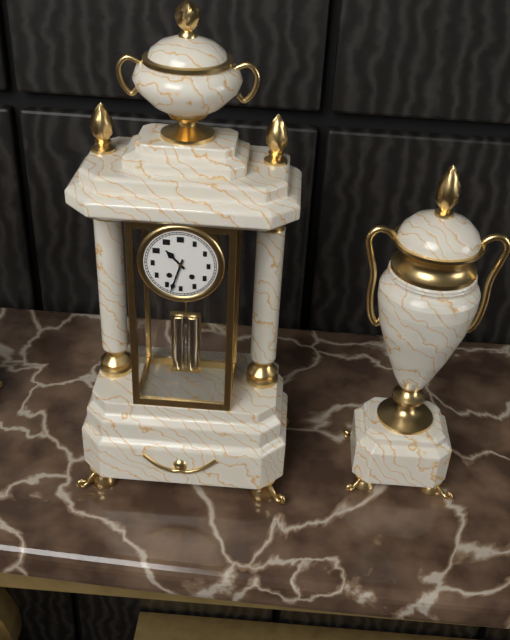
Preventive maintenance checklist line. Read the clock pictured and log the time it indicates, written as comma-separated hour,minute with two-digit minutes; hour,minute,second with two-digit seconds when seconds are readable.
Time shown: 10,33
